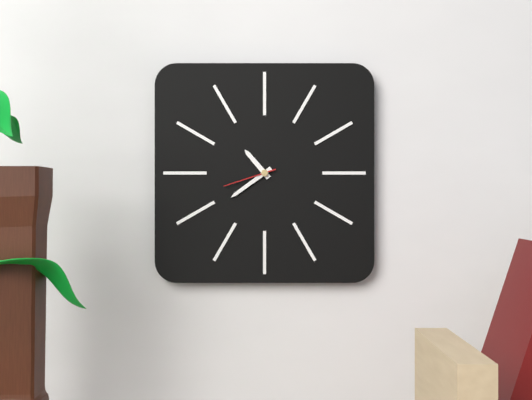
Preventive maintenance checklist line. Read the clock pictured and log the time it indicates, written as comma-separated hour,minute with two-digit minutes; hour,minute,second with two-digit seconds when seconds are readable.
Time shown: 10,39,42
